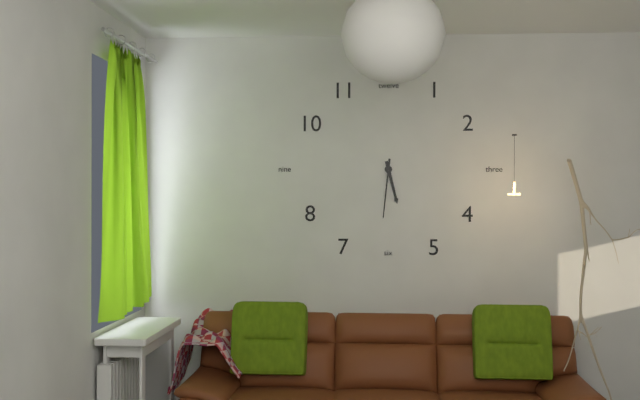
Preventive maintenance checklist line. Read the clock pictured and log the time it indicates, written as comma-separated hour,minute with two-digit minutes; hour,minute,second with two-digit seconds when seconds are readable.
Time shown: 5,31
